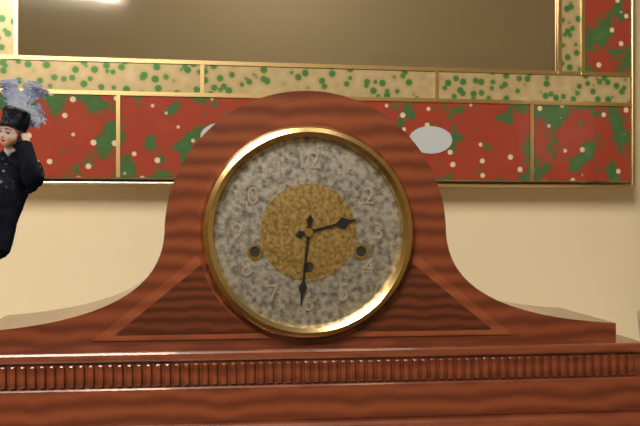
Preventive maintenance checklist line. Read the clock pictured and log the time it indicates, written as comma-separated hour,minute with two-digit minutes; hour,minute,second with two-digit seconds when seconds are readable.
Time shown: 2,31
